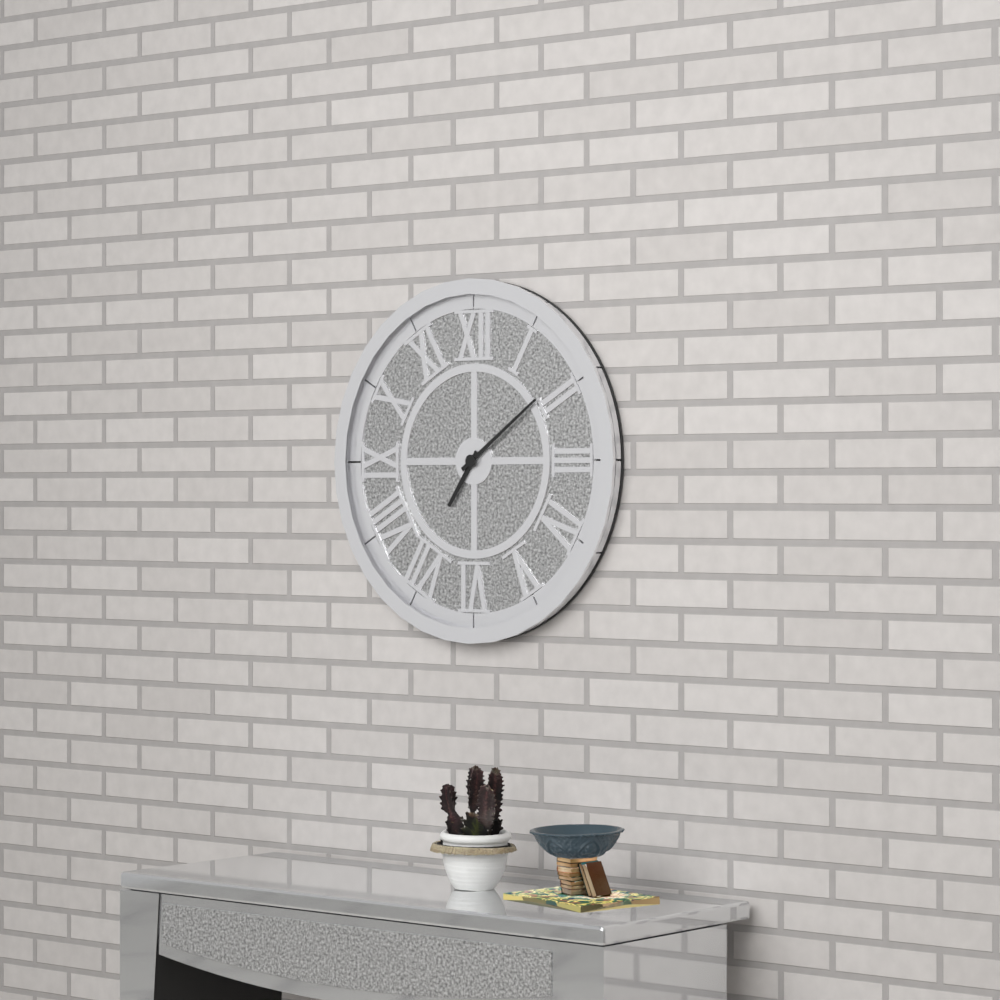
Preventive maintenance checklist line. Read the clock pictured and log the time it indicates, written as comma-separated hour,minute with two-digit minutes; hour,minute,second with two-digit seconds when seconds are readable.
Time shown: 7,09
